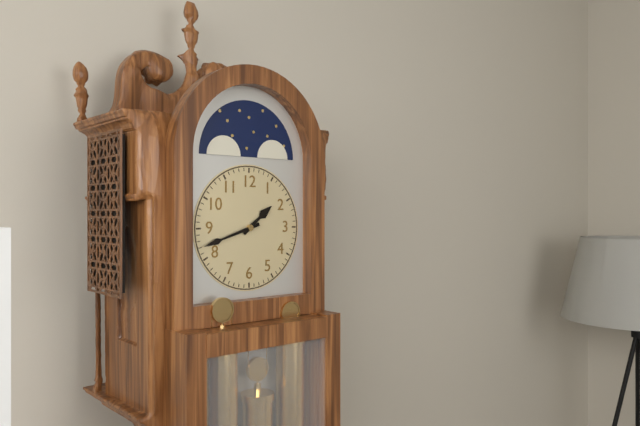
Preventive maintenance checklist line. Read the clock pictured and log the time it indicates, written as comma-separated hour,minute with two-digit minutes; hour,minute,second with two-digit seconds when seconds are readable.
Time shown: 1,42
